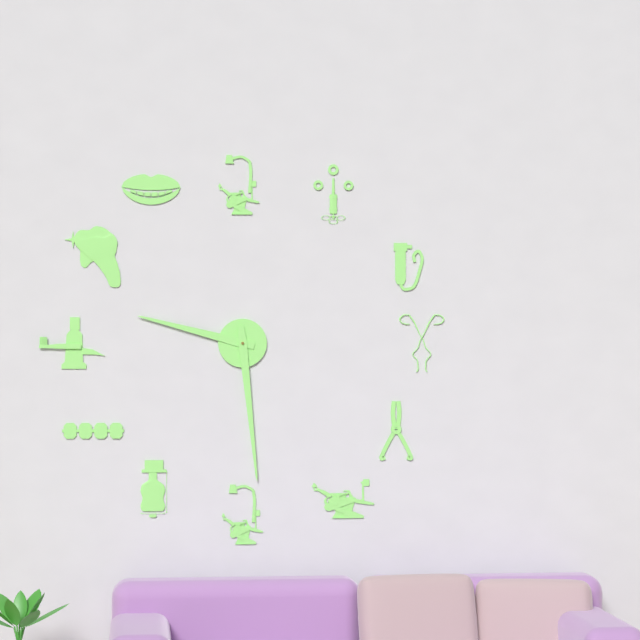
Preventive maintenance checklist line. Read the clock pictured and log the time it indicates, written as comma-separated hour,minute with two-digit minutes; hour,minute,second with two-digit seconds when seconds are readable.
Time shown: 9,29
